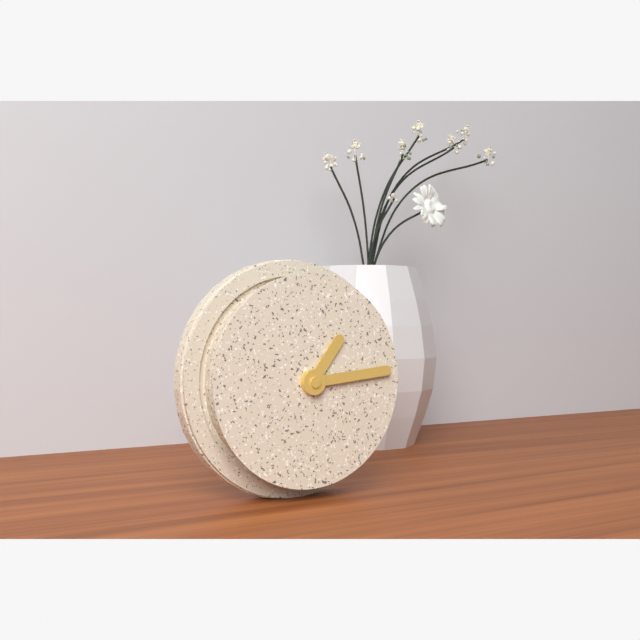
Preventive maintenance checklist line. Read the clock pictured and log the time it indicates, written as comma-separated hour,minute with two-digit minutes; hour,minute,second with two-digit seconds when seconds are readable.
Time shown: 1,14
